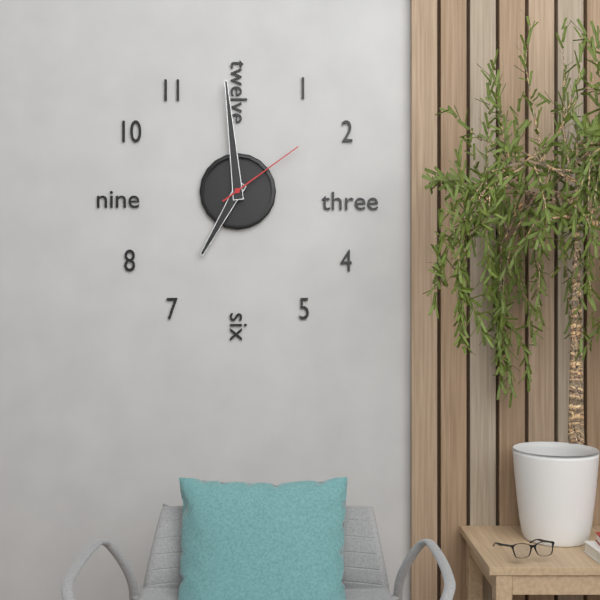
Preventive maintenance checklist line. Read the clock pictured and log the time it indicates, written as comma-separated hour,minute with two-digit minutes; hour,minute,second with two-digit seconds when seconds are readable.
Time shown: 6,59,09
